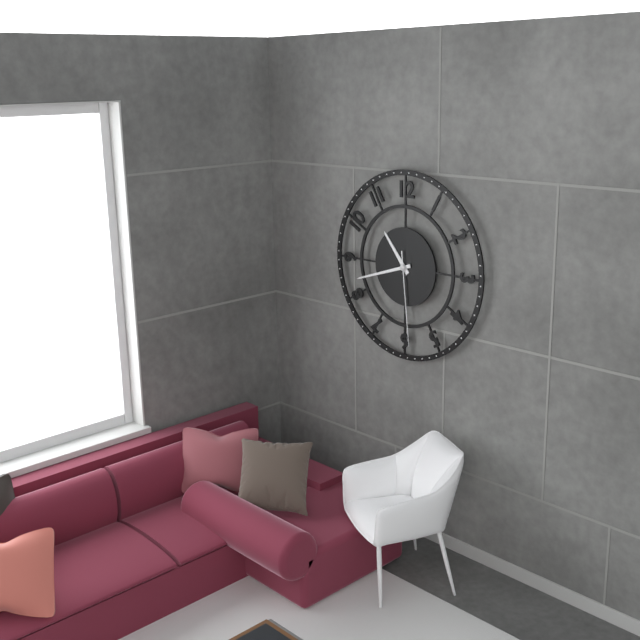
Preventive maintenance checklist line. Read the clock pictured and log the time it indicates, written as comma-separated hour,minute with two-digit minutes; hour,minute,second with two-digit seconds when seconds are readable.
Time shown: 10,42,29
